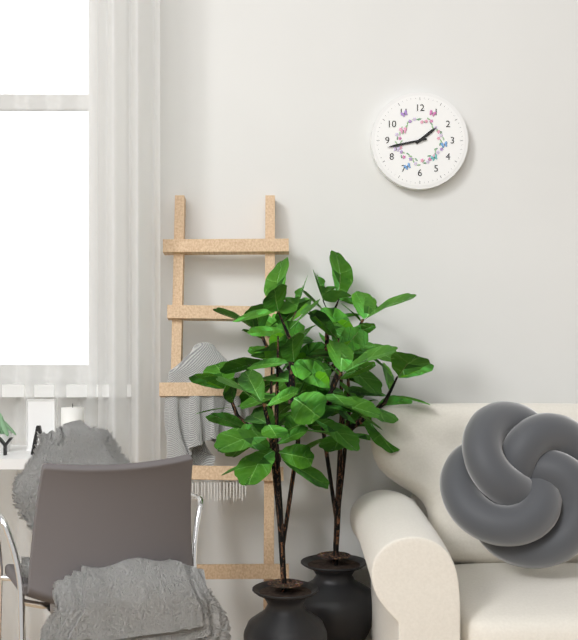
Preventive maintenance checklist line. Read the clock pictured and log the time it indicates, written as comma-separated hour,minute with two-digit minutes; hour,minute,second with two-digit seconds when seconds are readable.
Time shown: 1,43
